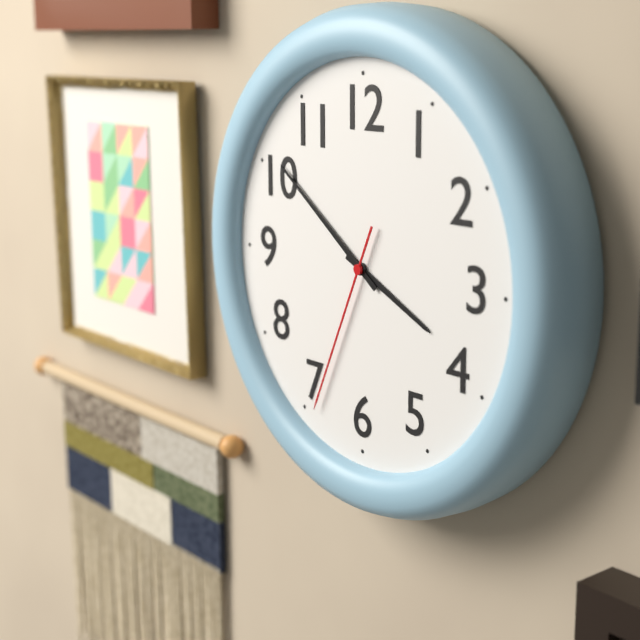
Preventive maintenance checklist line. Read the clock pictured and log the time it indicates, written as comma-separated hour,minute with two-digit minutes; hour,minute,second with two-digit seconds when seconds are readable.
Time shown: 3,51,34
